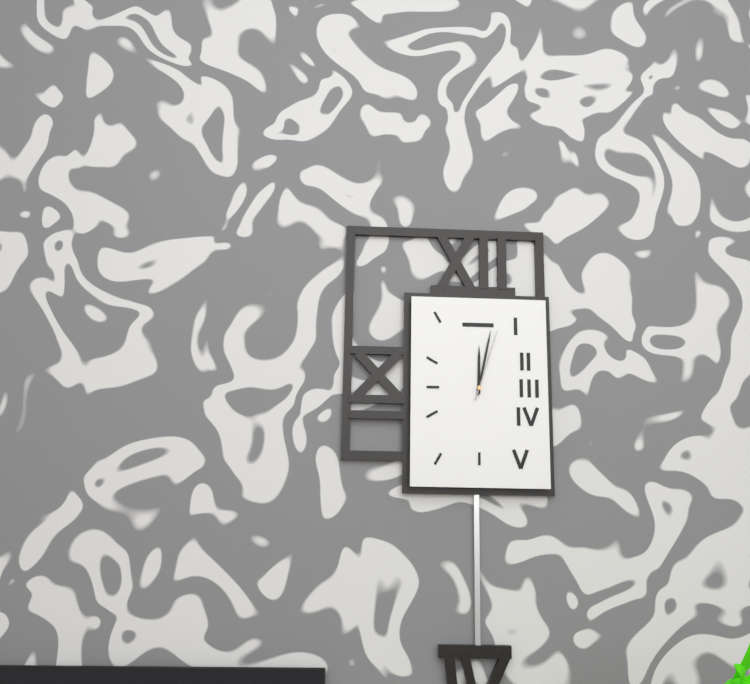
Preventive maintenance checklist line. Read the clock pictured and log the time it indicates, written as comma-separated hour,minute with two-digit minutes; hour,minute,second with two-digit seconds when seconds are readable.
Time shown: 12,02,03
